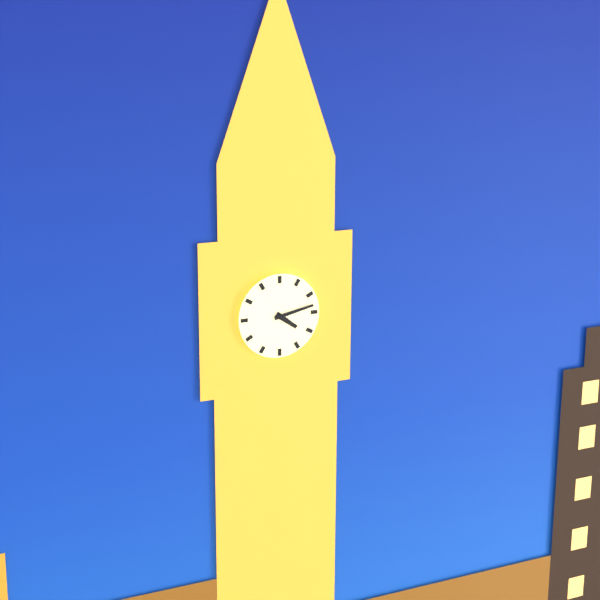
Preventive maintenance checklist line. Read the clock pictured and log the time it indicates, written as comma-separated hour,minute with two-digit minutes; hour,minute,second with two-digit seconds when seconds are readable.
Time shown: 4,13
